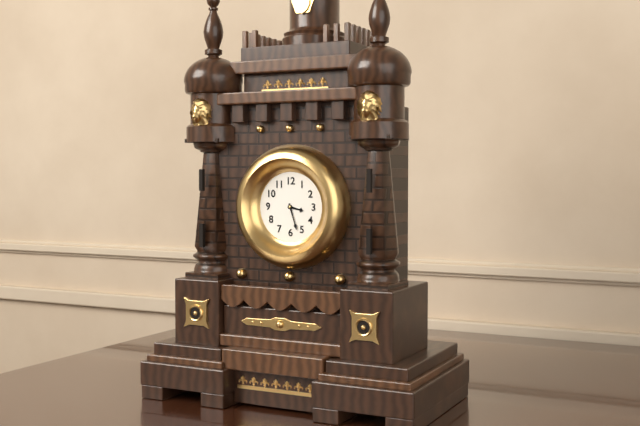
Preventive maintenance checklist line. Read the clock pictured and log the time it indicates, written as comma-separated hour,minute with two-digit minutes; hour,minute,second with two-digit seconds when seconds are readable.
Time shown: 3,27
